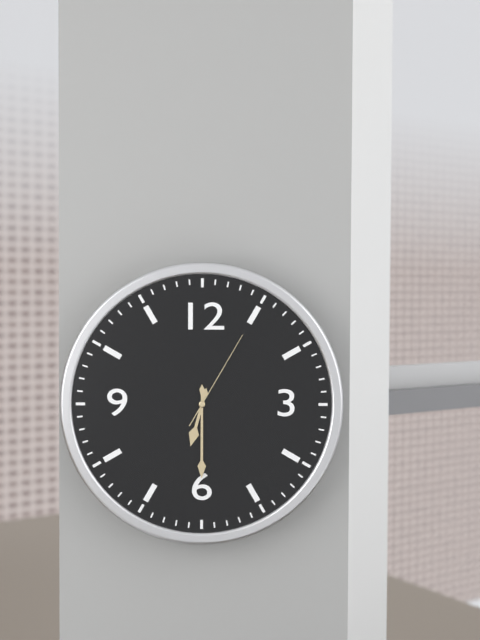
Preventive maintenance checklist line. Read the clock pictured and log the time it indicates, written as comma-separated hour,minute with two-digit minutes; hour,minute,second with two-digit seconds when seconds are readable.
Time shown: 6,30,05
